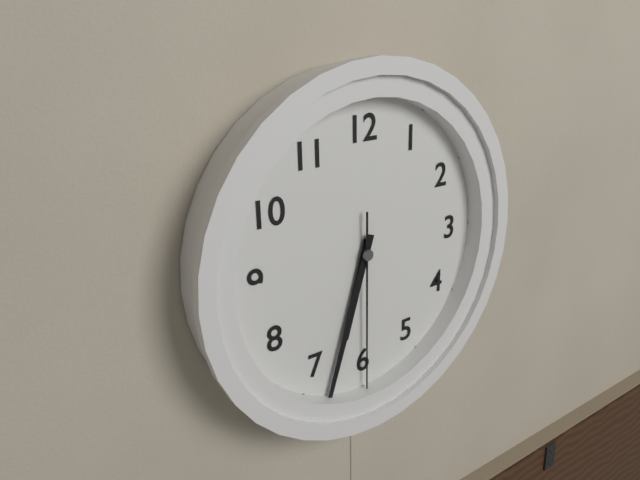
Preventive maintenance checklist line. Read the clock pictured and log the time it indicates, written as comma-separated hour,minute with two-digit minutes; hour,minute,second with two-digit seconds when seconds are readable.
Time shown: 6,33,30
